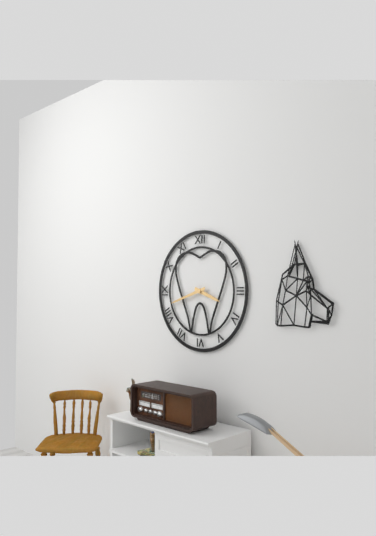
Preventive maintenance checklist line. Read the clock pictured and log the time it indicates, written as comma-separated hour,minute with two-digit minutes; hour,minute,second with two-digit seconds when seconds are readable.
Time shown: 3,42
